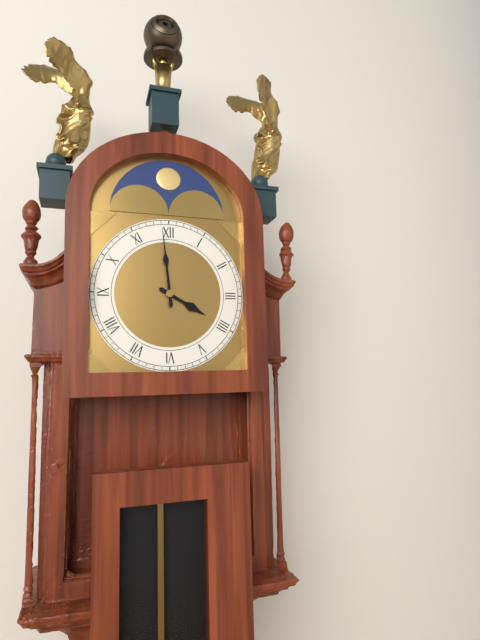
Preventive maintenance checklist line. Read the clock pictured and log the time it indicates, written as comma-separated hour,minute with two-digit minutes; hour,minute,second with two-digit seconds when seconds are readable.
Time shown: 3,59
